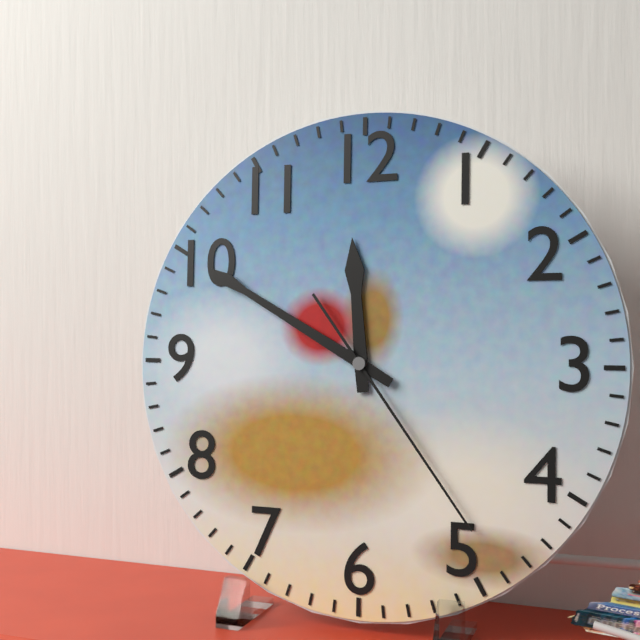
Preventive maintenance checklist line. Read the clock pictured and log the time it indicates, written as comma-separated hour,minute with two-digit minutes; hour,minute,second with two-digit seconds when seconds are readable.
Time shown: 11,50,24
